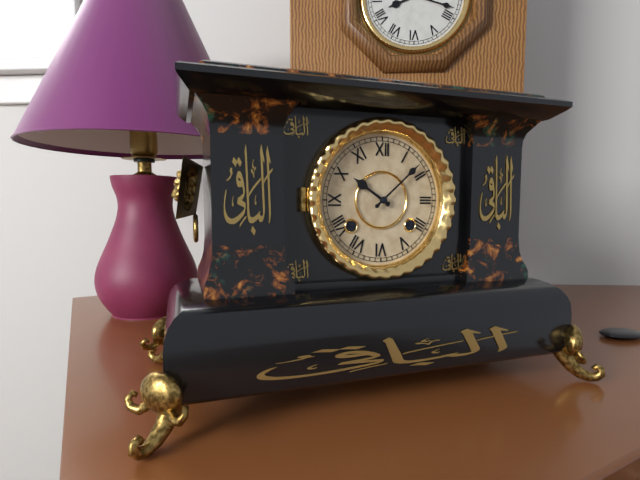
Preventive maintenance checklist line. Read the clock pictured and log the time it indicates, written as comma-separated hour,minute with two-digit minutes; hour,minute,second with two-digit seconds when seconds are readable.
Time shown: 10,08
